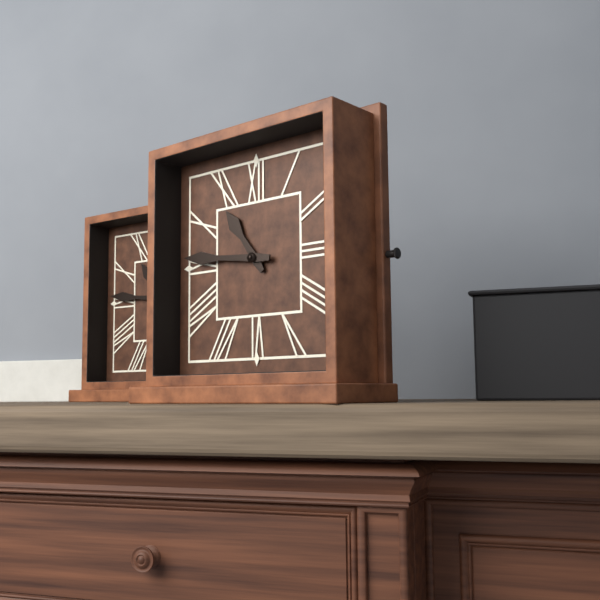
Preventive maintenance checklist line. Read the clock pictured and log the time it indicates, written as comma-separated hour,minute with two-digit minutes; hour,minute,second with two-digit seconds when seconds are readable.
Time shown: 10,46
